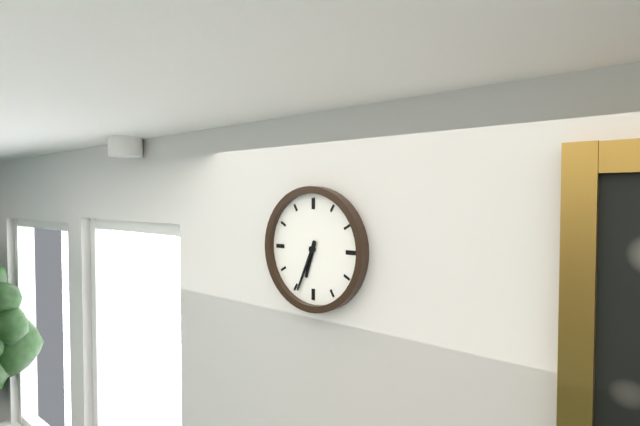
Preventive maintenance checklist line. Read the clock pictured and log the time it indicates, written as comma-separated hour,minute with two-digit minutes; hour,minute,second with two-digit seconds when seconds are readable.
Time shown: 6,34
